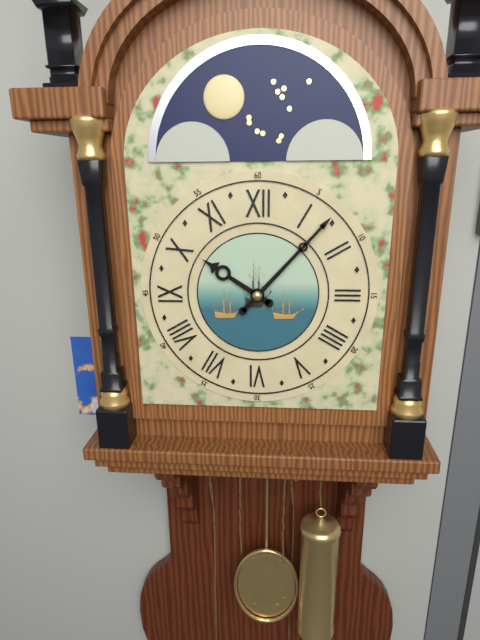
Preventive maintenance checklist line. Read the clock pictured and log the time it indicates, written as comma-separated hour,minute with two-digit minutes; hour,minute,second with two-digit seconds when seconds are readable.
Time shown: 10,07
